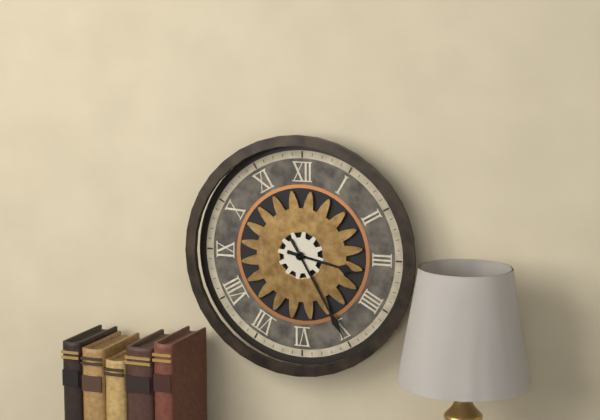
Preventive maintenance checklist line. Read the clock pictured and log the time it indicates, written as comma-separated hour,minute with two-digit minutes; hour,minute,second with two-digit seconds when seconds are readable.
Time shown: 3,25
